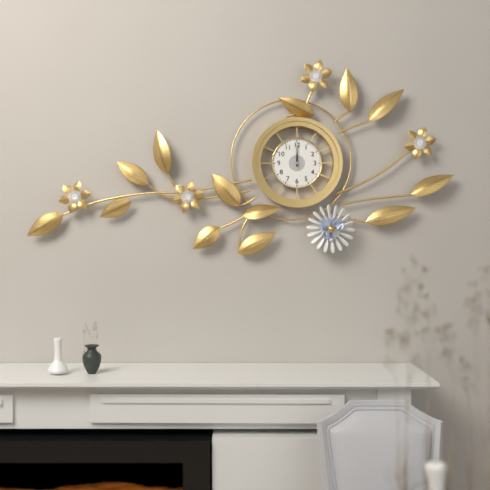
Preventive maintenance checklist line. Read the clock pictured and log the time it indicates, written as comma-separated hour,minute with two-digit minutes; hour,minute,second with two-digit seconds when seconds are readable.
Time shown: 12,00
